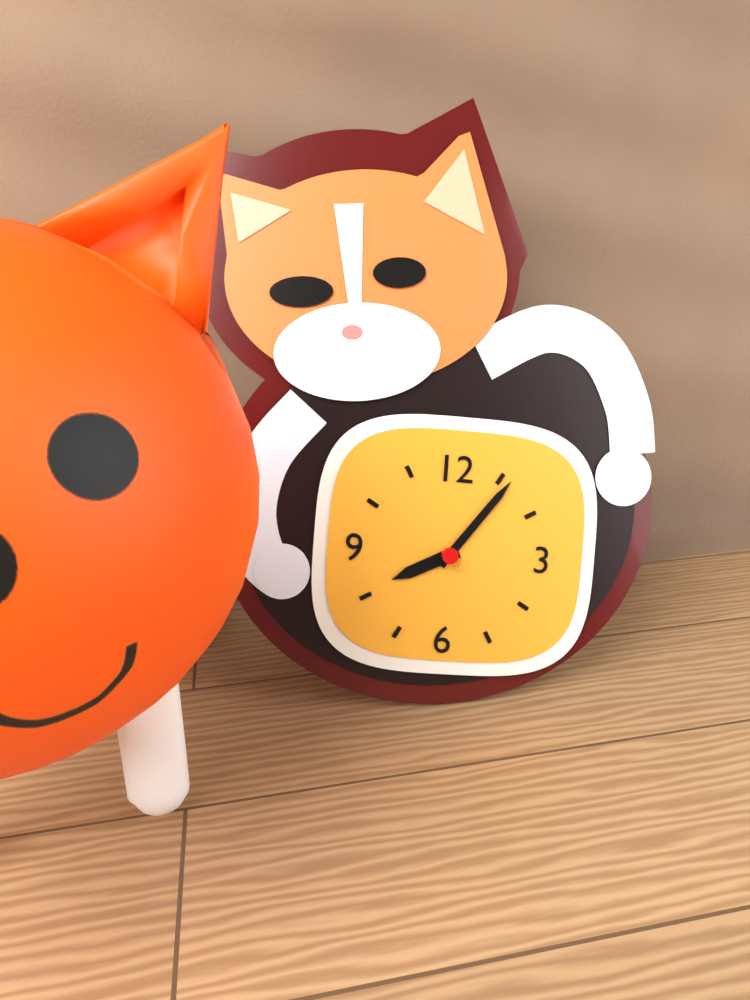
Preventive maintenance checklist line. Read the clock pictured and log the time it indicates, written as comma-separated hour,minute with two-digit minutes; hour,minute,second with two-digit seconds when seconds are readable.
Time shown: 8,06
